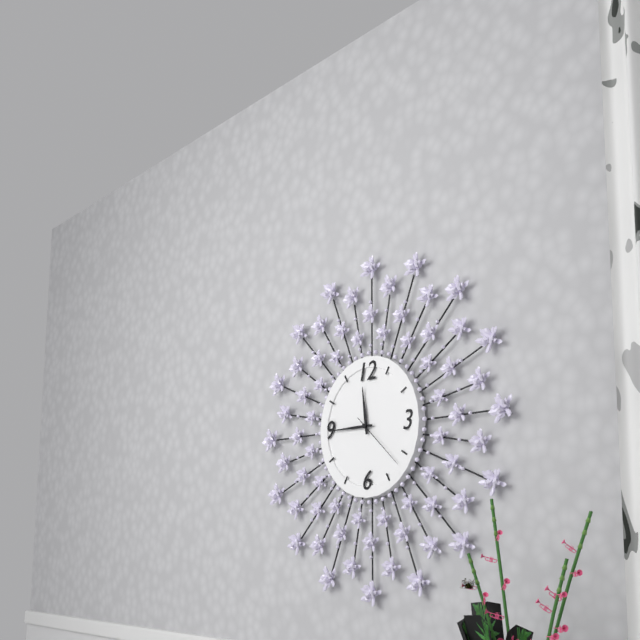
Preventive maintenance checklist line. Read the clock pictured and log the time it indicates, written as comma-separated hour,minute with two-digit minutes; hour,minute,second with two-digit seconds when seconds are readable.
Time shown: 11,45,22
